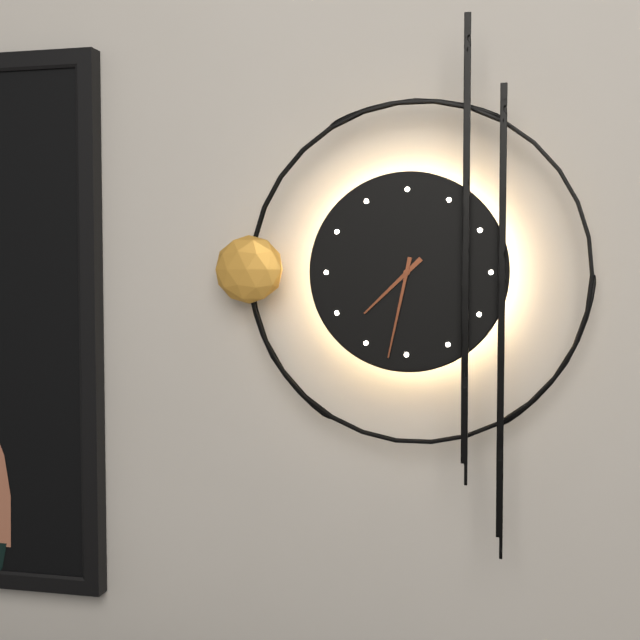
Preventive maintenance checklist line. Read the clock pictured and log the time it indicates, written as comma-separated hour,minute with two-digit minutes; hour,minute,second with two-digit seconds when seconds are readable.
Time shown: 7,32
